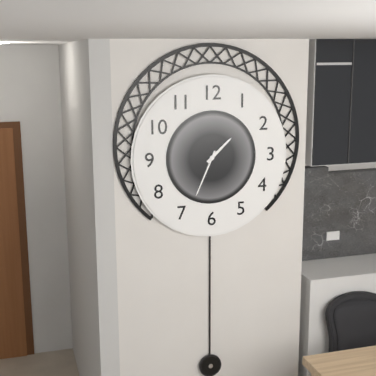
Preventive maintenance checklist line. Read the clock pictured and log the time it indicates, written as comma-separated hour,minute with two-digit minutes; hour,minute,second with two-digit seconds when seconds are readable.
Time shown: 1,34
